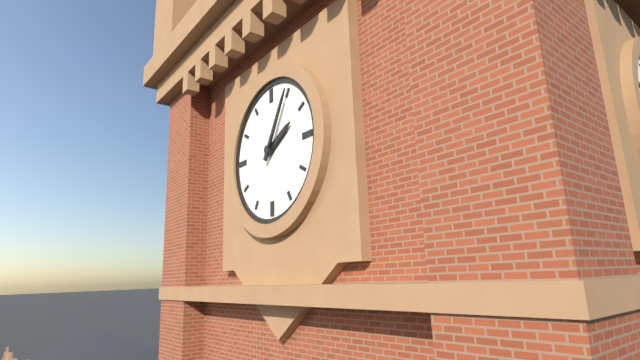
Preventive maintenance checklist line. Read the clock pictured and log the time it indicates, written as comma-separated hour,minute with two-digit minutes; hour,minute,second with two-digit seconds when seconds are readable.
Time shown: 2,05
